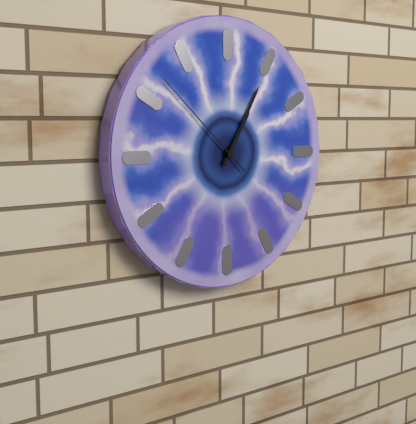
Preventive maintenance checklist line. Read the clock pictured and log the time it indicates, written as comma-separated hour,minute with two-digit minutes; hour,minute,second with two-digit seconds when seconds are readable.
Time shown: 1,05,52
